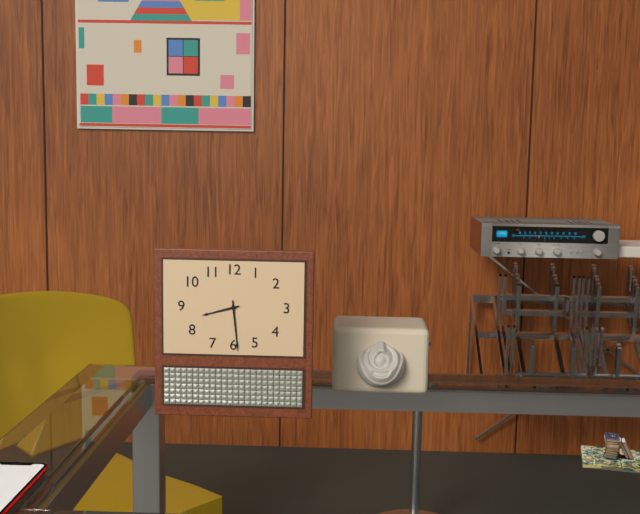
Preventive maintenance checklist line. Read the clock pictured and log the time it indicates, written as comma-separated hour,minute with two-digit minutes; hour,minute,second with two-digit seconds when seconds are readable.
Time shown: 8,29
